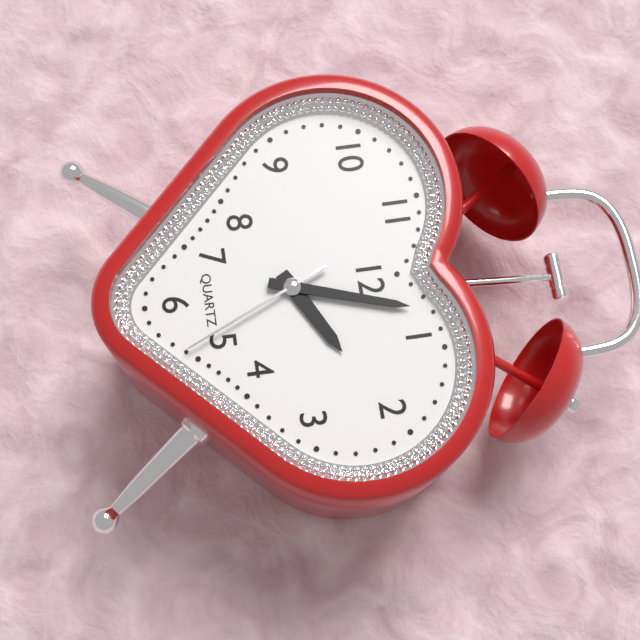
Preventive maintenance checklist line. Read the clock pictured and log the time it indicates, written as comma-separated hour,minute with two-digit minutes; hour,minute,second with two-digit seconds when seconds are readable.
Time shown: 2,03,26
